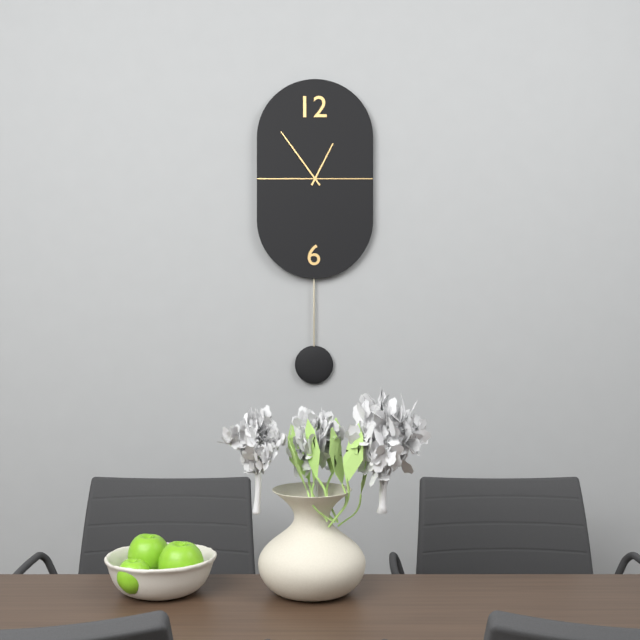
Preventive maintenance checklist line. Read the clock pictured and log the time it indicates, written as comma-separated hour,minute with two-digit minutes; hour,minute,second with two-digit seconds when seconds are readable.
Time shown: 12,54
